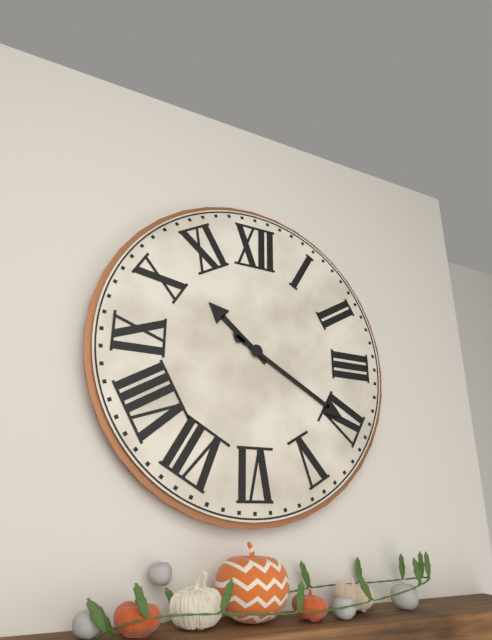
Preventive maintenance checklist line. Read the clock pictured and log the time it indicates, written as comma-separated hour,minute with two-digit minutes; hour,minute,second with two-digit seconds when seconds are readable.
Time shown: 10,20
